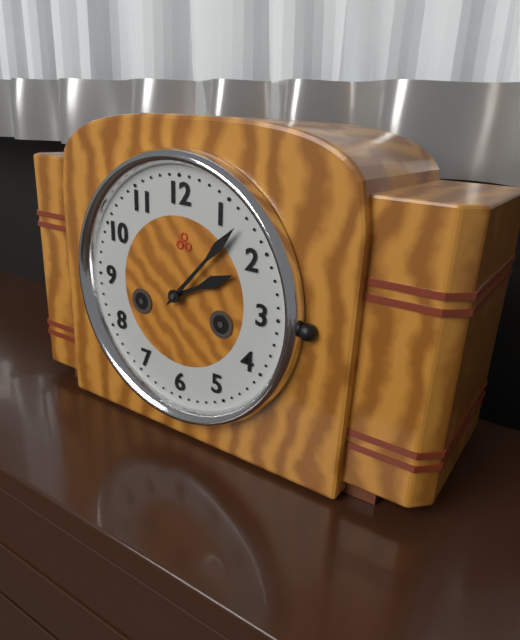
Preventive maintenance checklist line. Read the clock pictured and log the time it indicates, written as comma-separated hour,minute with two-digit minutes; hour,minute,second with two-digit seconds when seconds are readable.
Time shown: 2,07
